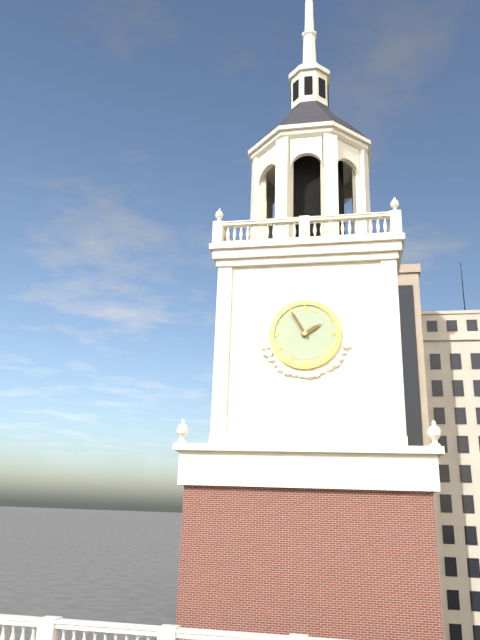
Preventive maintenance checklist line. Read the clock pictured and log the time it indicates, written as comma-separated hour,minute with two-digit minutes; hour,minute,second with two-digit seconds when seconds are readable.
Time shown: 1,55
